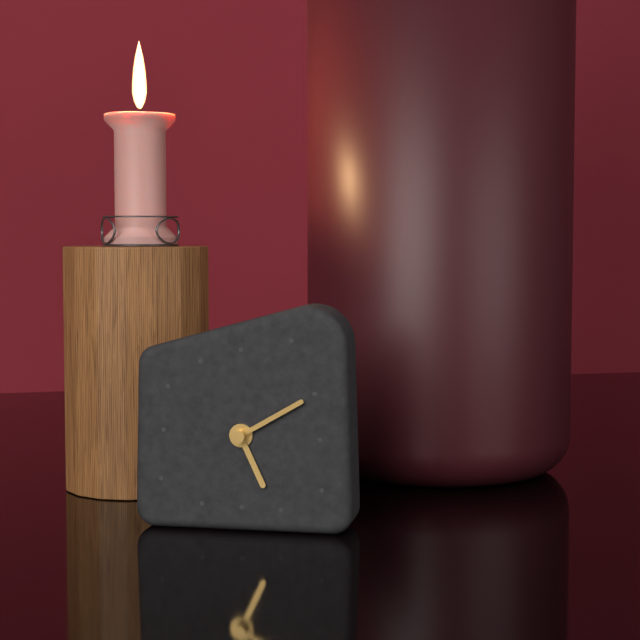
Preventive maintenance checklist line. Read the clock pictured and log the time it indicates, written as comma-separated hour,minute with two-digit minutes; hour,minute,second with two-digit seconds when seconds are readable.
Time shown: 5,10
